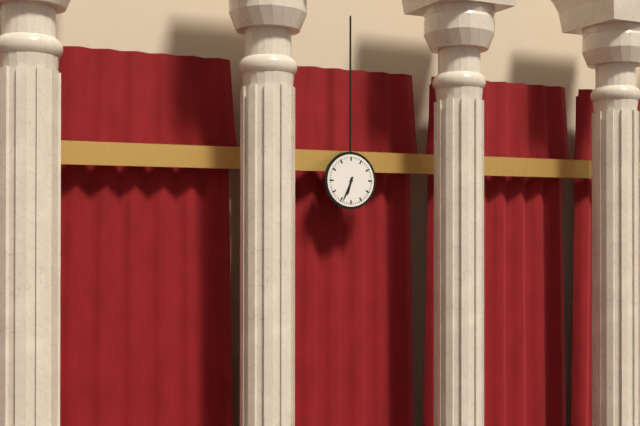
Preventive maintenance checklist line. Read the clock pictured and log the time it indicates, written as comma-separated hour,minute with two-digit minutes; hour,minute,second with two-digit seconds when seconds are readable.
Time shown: 6,34
